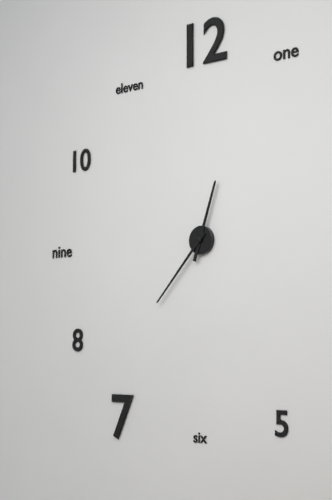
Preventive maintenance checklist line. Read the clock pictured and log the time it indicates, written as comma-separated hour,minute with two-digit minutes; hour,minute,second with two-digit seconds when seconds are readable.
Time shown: 12,37
